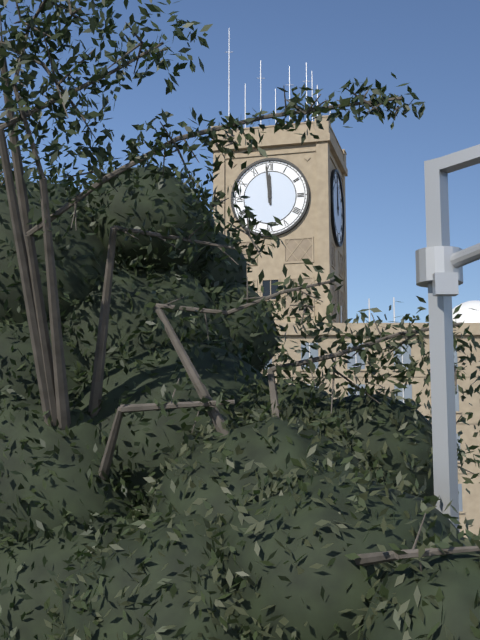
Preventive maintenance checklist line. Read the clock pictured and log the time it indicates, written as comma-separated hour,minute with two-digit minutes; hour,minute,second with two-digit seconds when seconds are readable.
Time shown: 11,59
